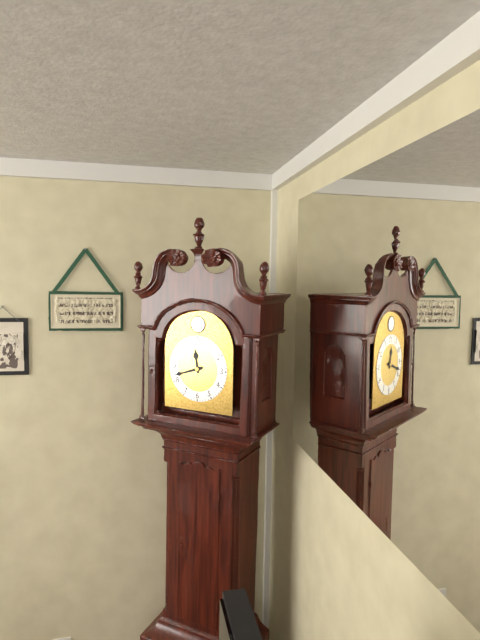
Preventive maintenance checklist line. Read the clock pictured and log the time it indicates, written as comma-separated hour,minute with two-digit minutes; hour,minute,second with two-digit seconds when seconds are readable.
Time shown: 11,42
